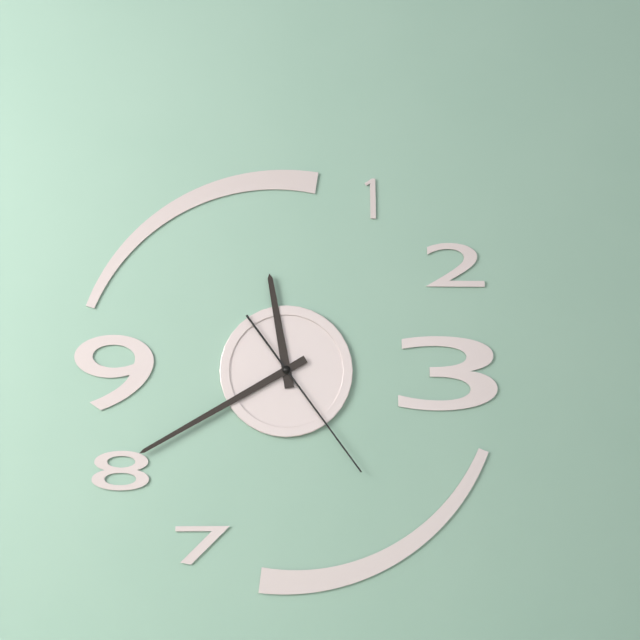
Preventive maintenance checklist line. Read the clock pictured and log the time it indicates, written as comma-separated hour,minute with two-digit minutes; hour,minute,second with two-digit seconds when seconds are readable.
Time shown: 11,40,24
